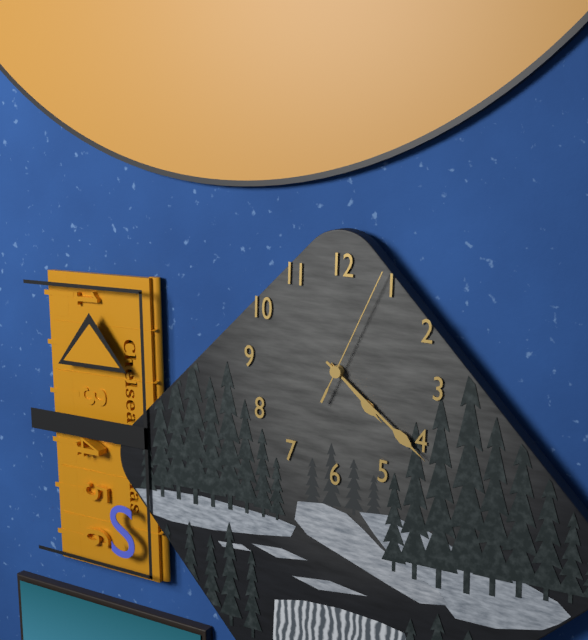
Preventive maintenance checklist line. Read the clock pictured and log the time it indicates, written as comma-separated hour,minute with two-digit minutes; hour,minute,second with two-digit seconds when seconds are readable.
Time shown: 4,21,04
